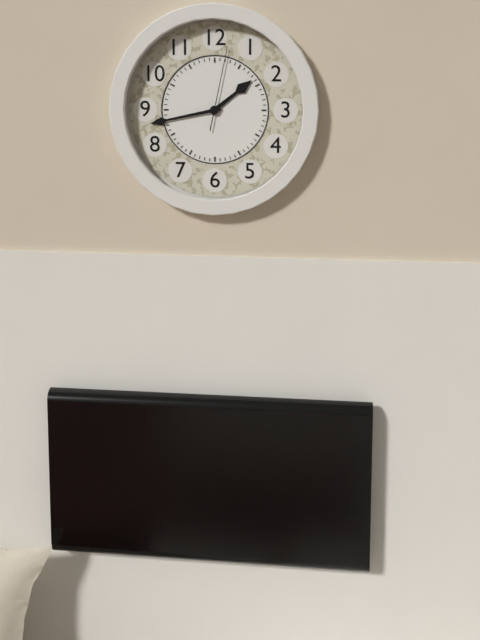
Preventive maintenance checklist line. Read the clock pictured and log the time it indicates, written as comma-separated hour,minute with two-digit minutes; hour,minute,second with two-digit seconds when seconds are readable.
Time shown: 1,43,02
